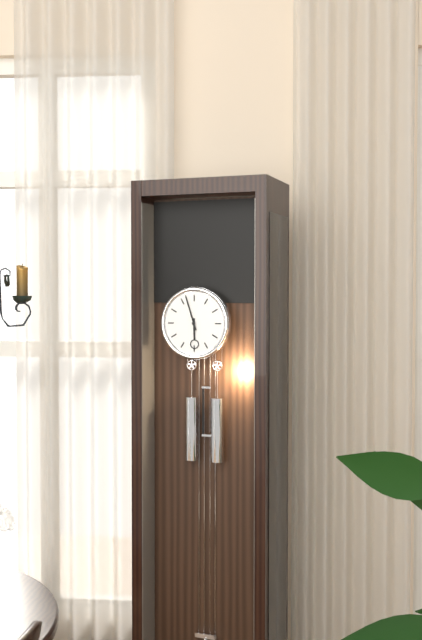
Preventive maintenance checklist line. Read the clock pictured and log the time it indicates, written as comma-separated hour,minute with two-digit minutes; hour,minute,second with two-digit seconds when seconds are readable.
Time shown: 5,57
